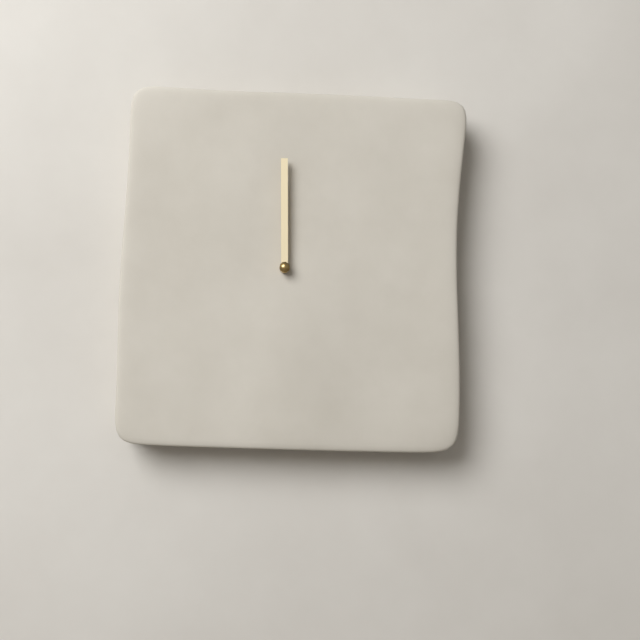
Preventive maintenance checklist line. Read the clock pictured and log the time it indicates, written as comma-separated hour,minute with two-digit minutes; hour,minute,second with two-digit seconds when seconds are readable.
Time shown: 12,00
